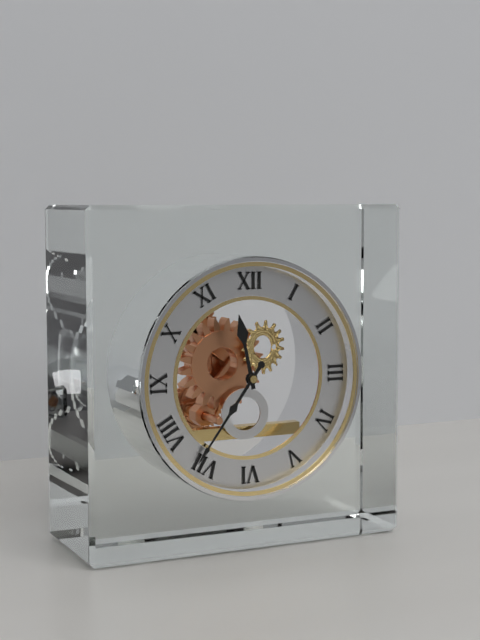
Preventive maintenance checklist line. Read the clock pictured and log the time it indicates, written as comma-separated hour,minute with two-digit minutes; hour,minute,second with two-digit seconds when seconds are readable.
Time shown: 11,36
